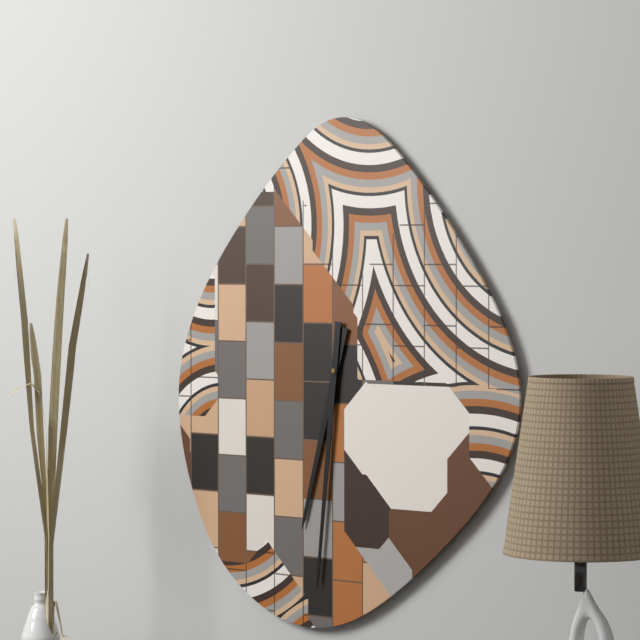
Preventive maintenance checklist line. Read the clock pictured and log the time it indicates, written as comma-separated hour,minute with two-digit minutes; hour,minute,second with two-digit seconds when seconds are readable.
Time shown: 6,31
